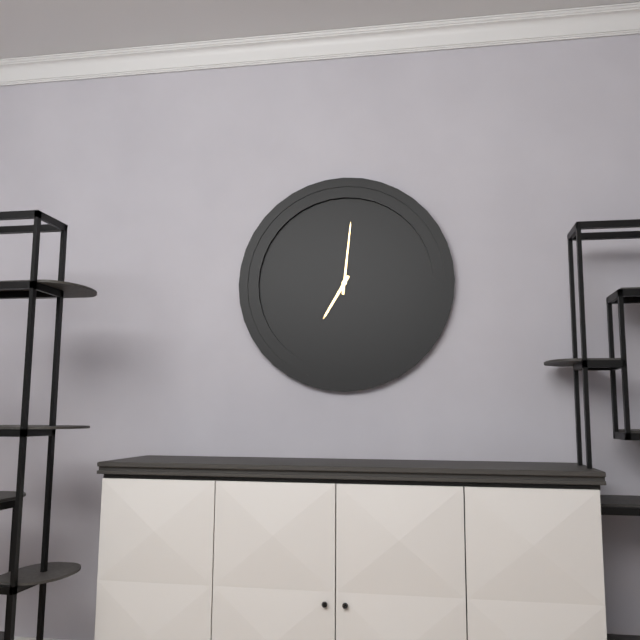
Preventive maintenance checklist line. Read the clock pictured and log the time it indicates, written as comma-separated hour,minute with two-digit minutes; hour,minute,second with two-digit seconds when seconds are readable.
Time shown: 7,01
